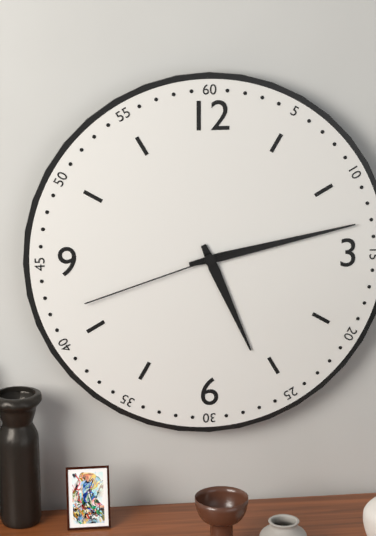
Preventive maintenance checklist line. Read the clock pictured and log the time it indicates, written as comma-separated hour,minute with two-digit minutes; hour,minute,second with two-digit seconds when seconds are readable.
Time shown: 5,13,42
